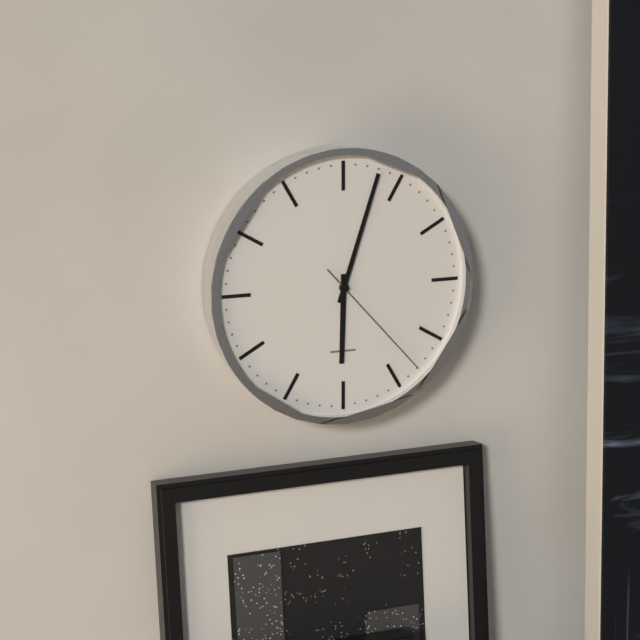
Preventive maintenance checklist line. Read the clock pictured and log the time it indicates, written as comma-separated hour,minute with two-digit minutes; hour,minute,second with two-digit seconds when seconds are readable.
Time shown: 6,03,23
